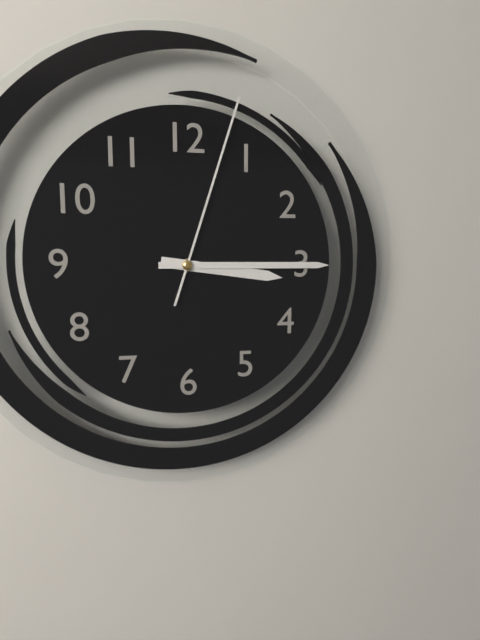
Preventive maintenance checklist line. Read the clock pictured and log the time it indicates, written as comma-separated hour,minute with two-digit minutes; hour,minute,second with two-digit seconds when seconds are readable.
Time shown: 3,15,03
